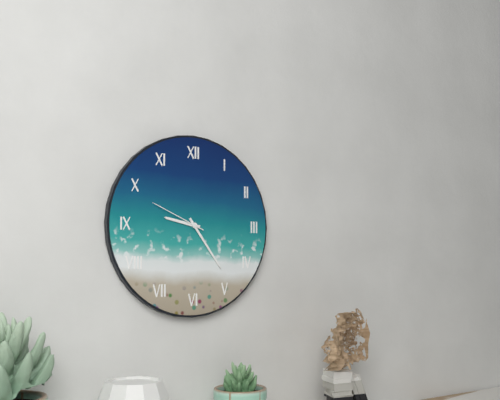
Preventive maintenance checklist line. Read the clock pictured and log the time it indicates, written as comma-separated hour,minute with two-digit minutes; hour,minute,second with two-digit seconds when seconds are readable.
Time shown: 9,24,49
